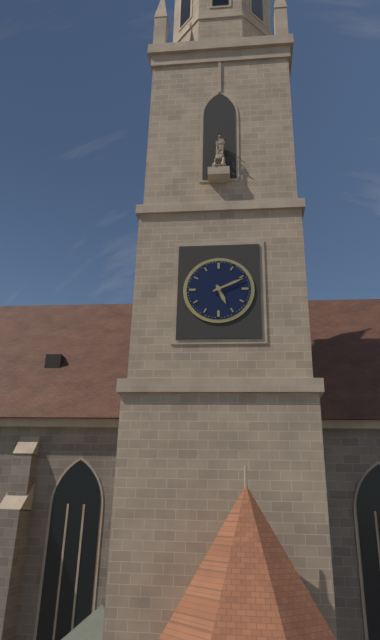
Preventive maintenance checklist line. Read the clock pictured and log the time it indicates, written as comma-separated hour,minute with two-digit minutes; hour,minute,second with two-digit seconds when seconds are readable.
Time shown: 5,11
